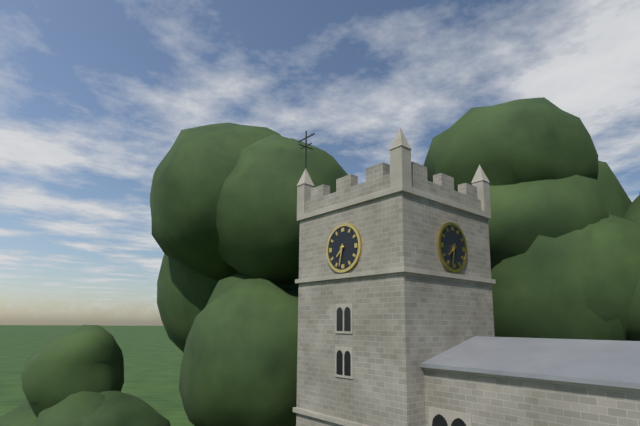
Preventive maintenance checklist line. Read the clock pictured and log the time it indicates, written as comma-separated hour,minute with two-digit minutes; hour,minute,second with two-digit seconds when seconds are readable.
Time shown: 7,32
